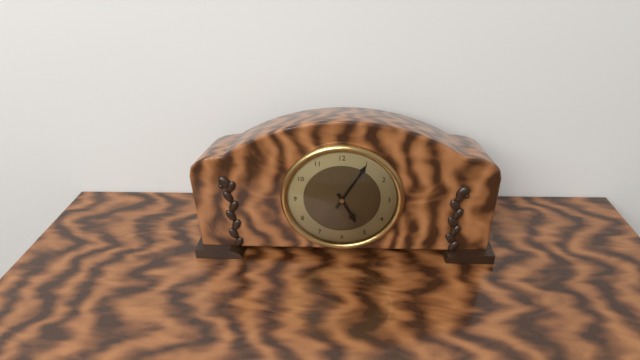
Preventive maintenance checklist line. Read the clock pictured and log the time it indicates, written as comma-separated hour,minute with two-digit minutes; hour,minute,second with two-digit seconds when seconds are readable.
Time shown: 5,05
